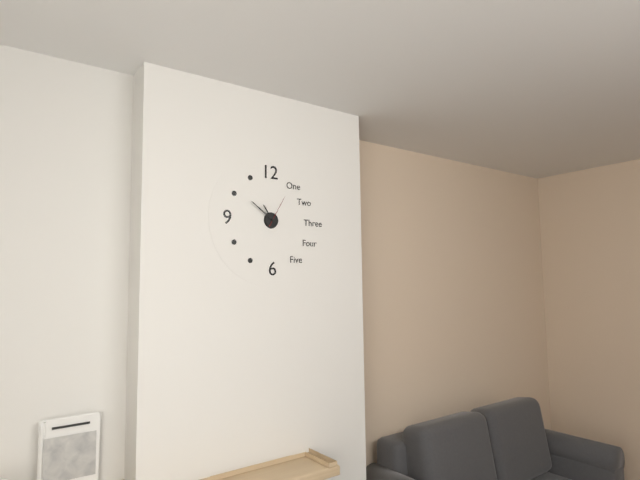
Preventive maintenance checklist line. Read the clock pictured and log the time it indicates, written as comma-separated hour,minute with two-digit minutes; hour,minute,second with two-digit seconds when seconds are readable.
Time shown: 10,51
